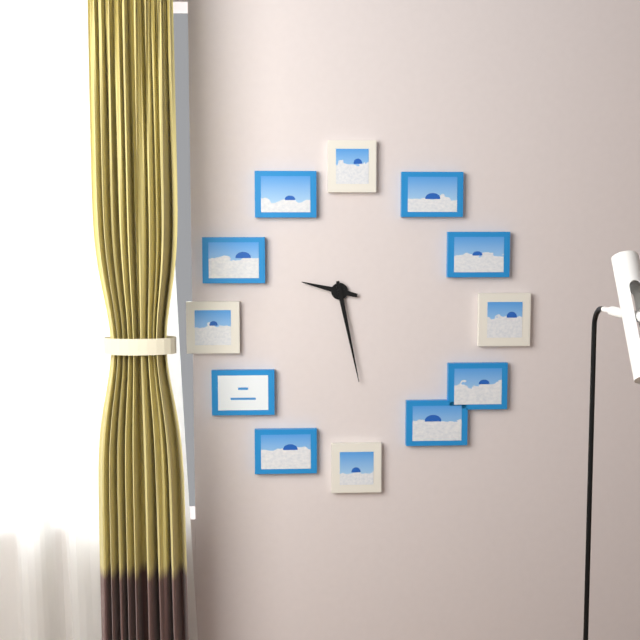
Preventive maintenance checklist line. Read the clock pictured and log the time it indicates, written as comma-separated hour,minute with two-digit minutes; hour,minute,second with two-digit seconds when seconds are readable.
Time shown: 9,28
